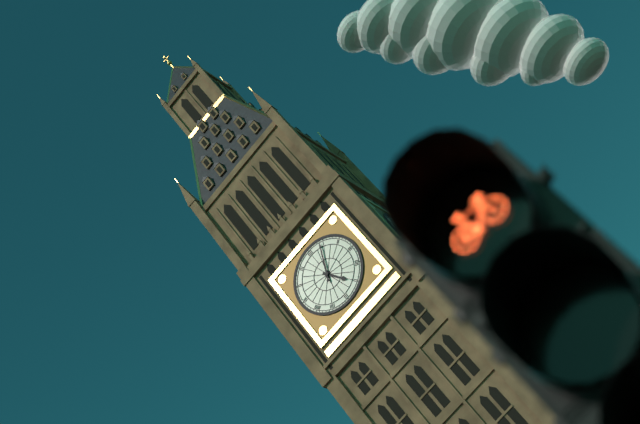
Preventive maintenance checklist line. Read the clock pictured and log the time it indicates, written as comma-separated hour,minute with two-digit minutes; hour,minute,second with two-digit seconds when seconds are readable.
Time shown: 5,04
